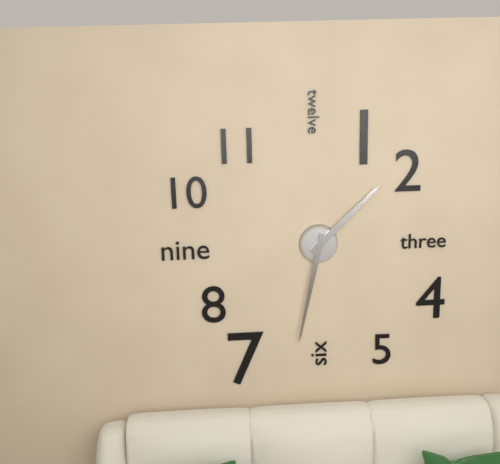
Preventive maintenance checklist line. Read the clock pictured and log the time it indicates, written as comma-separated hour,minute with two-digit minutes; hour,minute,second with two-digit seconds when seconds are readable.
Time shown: 1,32
